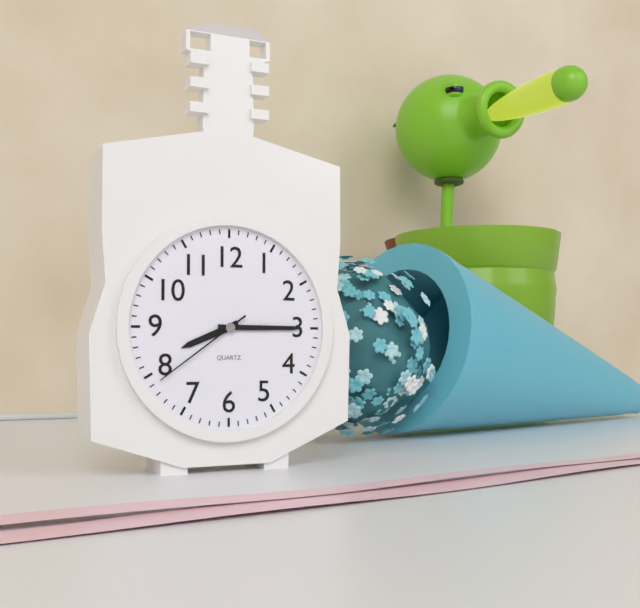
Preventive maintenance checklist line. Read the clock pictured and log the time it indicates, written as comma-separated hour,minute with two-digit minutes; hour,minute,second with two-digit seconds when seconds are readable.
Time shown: 8,15,39
